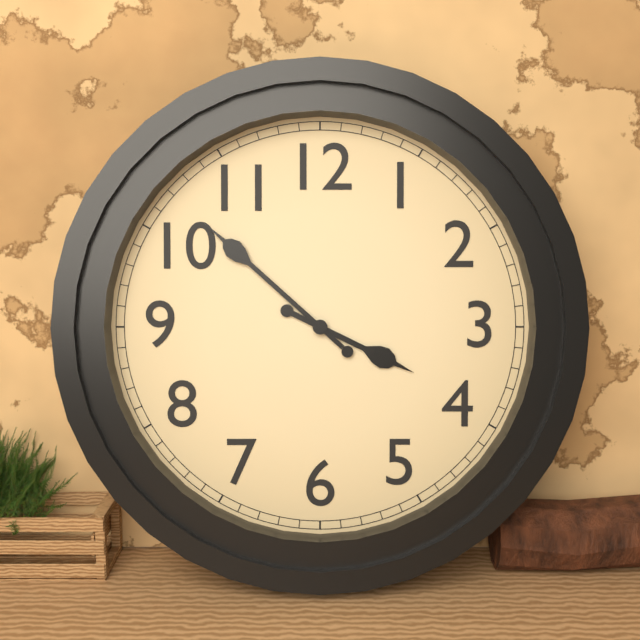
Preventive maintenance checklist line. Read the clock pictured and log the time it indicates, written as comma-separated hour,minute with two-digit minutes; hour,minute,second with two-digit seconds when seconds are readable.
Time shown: 3,52
